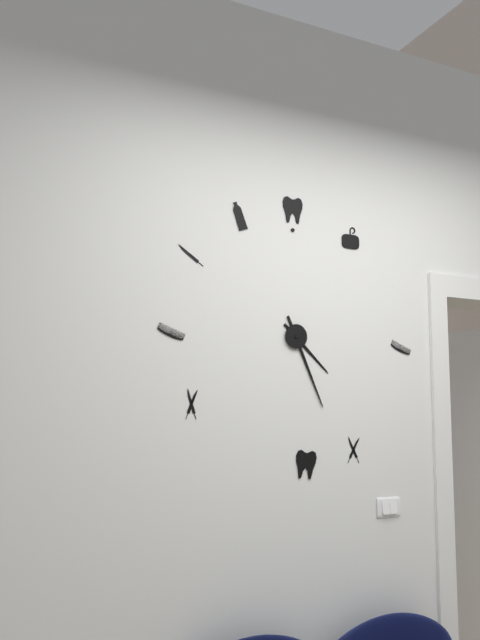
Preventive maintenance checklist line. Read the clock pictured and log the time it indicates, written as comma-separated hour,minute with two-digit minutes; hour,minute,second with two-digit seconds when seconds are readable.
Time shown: 4,26
